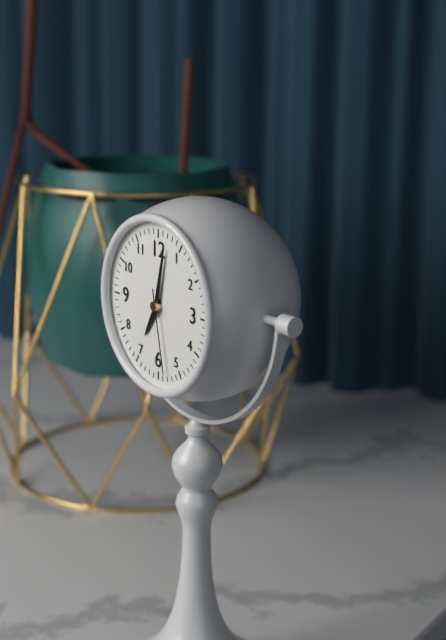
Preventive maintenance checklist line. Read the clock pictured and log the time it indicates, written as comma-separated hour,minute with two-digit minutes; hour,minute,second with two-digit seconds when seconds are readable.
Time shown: 7,02,28
